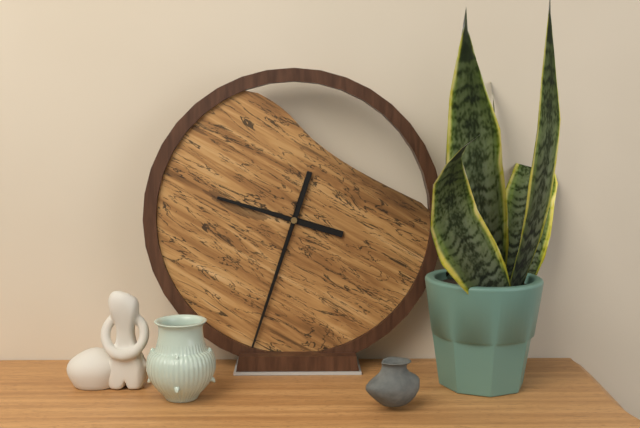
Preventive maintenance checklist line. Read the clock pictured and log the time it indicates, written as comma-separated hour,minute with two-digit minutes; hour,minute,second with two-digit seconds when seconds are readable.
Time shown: 9,33
